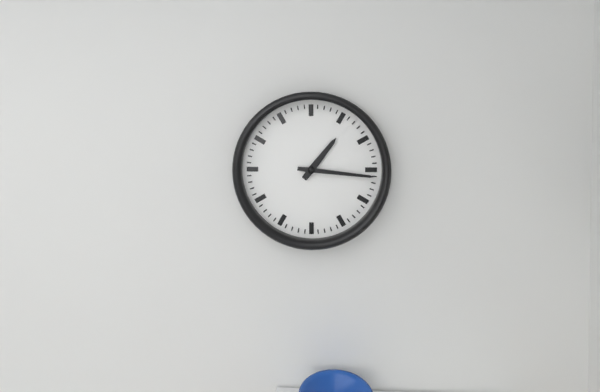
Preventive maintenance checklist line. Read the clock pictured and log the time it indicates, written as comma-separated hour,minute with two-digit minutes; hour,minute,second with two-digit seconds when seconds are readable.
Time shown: 1,16
